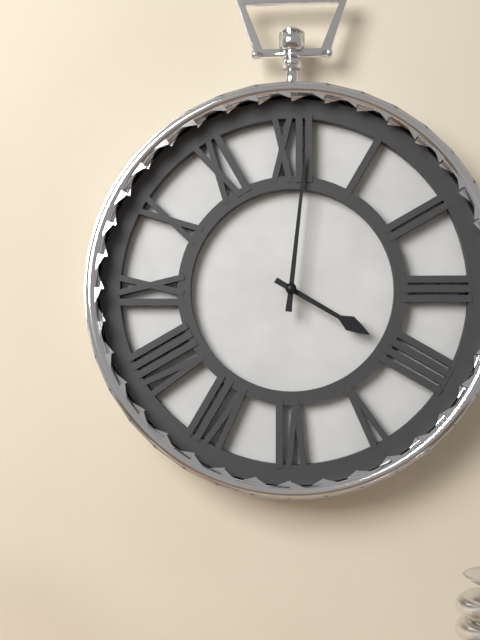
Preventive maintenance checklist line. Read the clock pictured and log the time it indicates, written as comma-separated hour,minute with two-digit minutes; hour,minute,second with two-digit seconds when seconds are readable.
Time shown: 4,01
